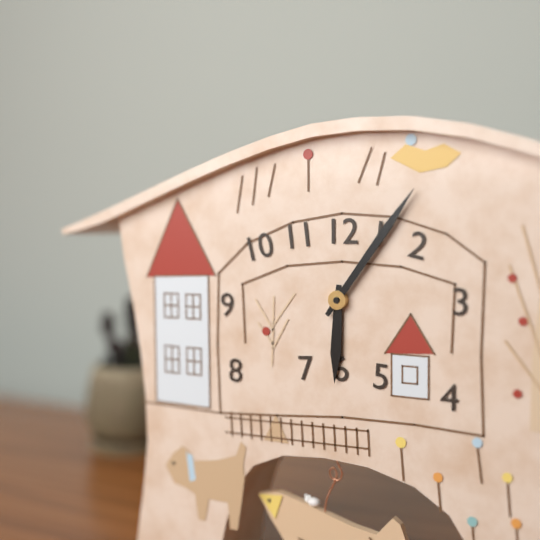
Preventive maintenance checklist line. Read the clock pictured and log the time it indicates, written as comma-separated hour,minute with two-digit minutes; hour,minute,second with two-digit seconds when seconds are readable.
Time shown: 6,06
